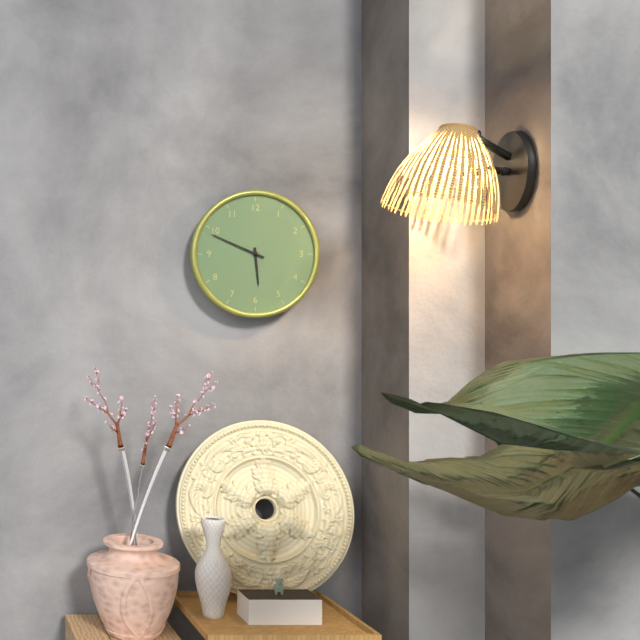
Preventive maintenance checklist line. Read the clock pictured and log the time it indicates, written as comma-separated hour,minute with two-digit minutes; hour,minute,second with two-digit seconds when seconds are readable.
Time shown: 5,49
